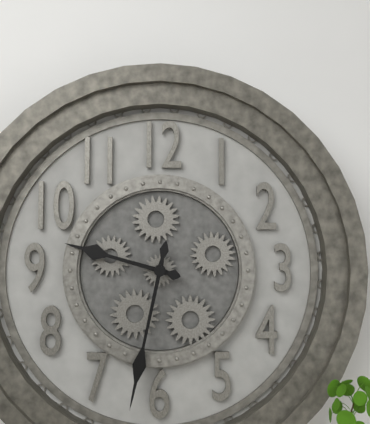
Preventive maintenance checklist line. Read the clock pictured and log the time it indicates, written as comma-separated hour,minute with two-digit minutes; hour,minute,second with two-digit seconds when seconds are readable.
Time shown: 9,32
